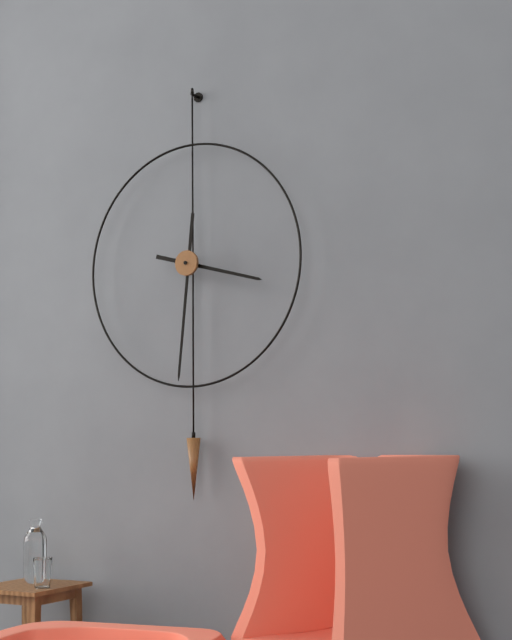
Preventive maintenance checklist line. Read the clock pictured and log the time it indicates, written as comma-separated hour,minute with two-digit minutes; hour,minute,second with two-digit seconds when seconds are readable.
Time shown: 3,31
